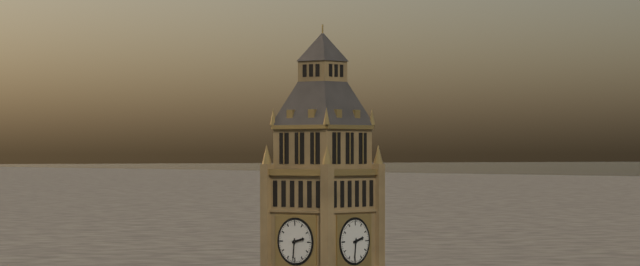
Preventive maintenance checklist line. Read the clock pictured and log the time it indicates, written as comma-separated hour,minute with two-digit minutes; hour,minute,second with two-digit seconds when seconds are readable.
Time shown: 2,31
